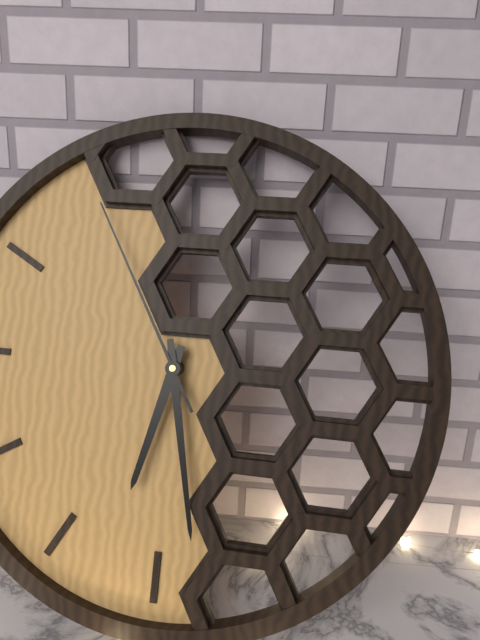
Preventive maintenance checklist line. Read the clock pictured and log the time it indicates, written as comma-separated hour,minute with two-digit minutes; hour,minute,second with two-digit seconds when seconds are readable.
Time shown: 6,28,55
